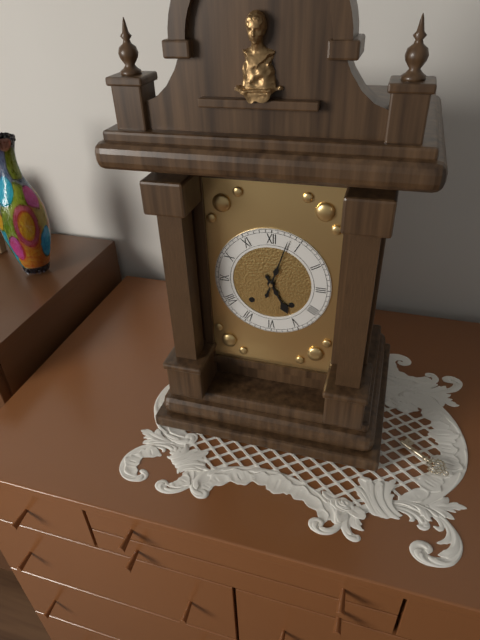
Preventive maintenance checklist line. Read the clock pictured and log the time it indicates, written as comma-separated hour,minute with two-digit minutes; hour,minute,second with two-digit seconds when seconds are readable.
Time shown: 5,03
